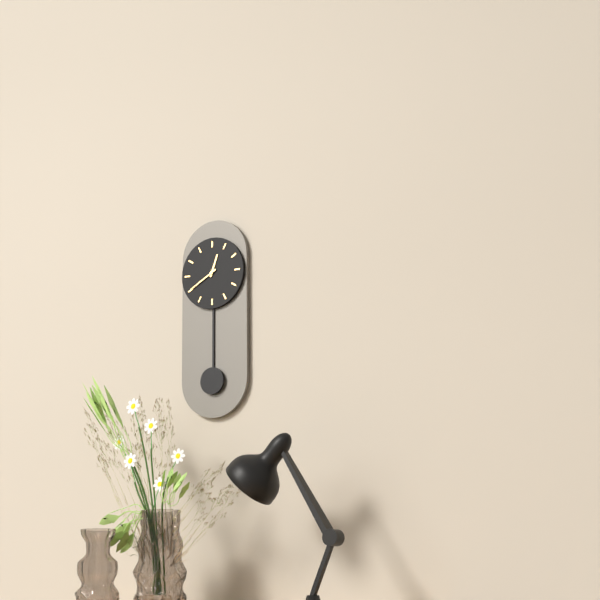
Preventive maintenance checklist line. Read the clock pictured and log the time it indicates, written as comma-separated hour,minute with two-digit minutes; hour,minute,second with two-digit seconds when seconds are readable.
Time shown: 12,40
